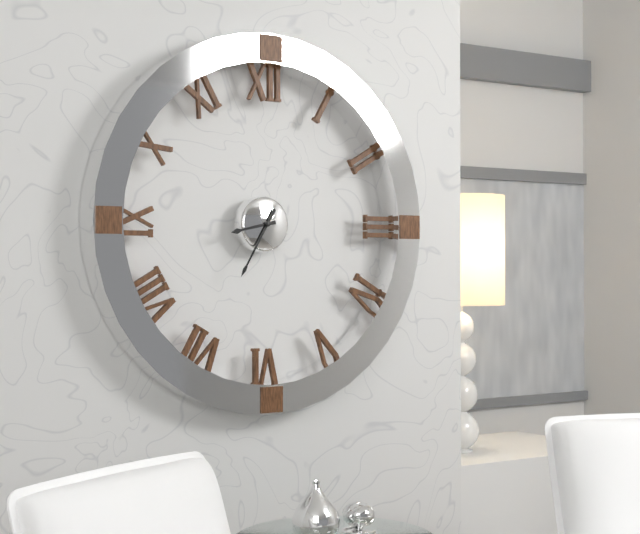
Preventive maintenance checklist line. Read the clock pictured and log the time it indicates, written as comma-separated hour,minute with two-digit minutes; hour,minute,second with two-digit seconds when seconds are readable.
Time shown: 8,35
